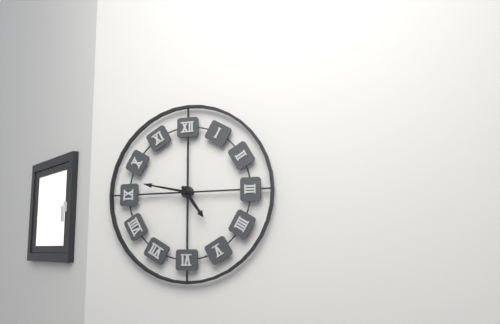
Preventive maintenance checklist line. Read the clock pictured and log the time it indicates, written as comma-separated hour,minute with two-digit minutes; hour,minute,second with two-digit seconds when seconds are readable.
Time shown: 4,47
